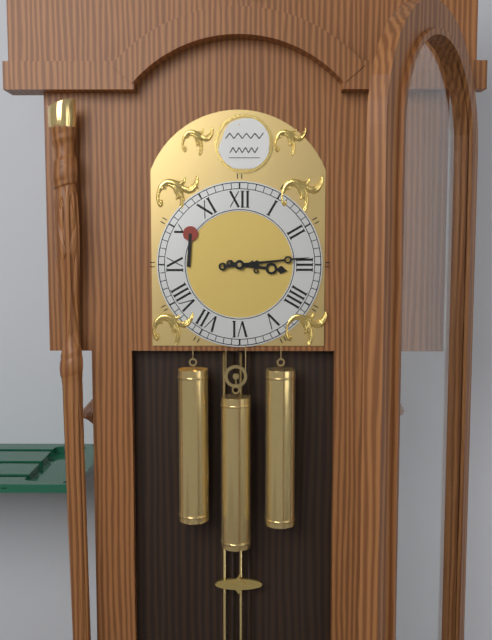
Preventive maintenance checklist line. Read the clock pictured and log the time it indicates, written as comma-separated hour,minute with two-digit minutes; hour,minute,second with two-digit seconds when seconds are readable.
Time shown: 3,14
